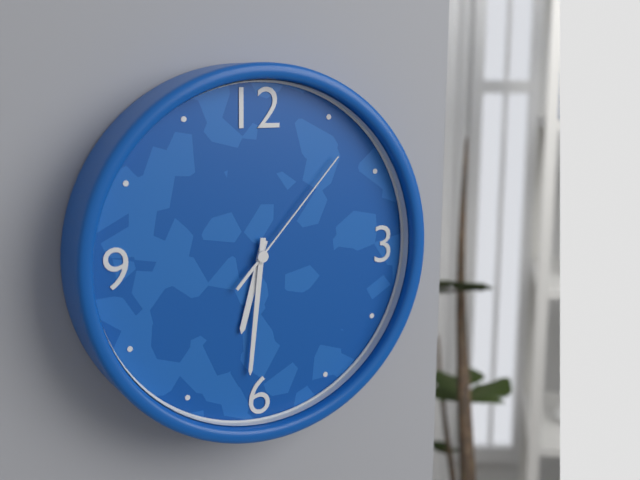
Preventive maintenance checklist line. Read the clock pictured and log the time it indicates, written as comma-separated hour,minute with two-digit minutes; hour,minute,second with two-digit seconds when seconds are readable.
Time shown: 6,31,07
